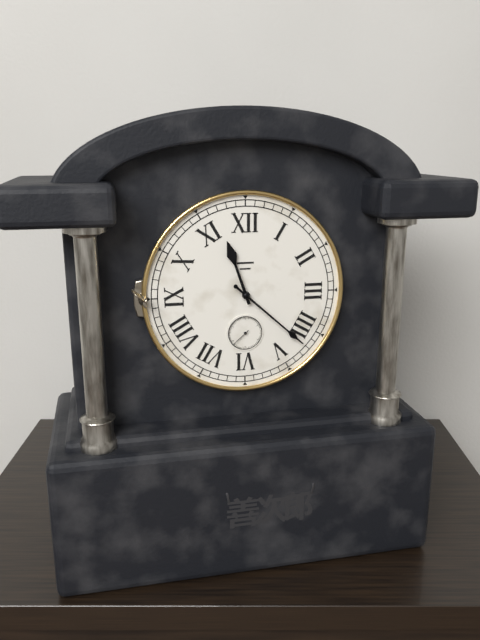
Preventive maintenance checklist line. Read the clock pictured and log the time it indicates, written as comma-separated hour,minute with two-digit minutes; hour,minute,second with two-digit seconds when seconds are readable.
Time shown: 11,22
